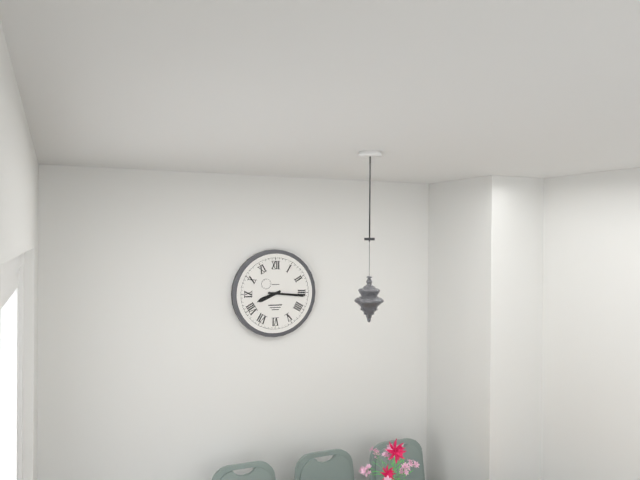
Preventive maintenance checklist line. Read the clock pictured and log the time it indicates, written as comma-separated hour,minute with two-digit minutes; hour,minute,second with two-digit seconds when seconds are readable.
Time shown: 8,16
